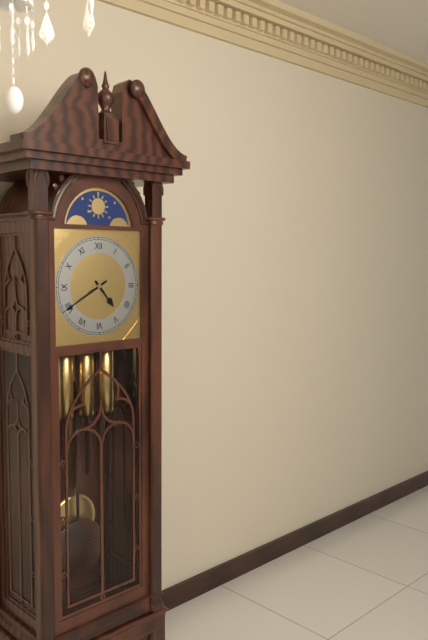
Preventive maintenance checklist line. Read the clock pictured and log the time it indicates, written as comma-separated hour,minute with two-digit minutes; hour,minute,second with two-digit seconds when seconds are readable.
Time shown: 4,40
